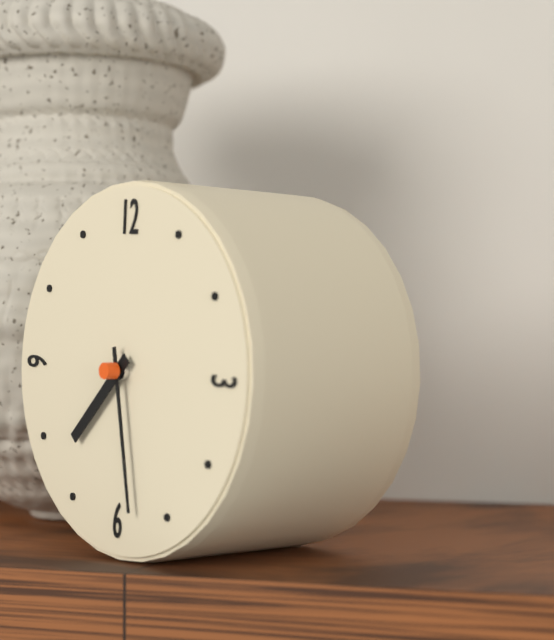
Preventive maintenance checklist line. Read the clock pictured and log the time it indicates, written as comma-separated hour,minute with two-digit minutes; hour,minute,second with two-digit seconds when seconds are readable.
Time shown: 7,28
